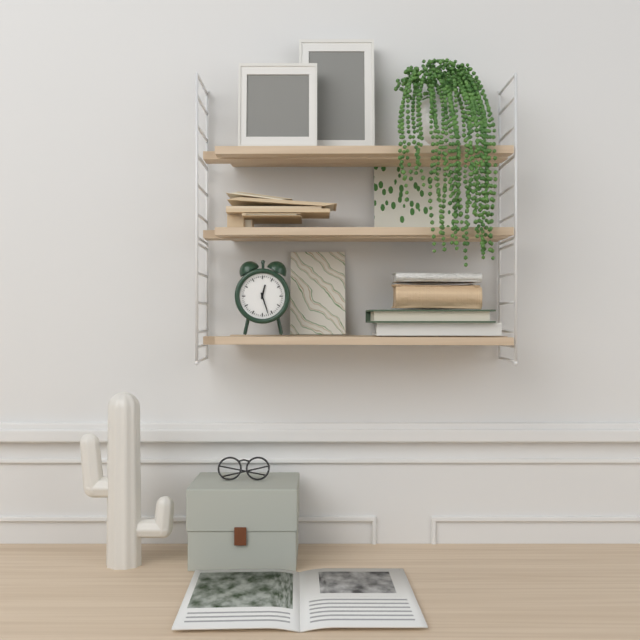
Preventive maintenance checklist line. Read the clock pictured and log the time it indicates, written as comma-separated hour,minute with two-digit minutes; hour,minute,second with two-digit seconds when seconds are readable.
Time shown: 12,27
